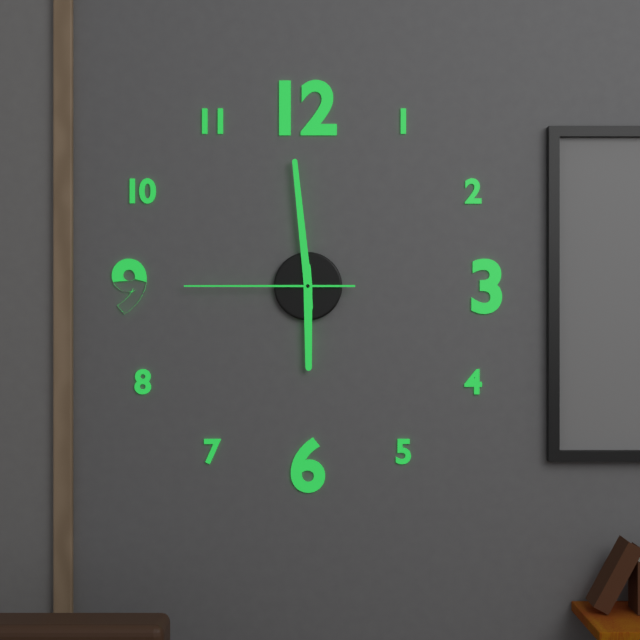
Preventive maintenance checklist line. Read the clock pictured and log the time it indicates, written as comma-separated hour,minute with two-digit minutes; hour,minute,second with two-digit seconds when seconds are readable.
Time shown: 5,59,45
